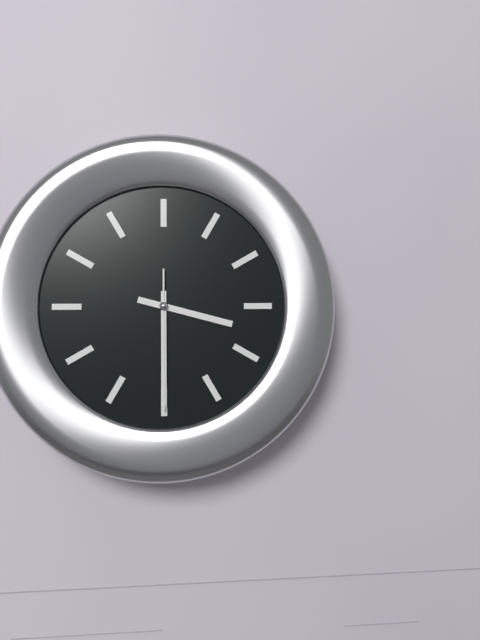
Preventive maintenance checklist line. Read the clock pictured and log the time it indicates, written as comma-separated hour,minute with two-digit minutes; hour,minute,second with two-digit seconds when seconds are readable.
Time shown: 3,30,30
